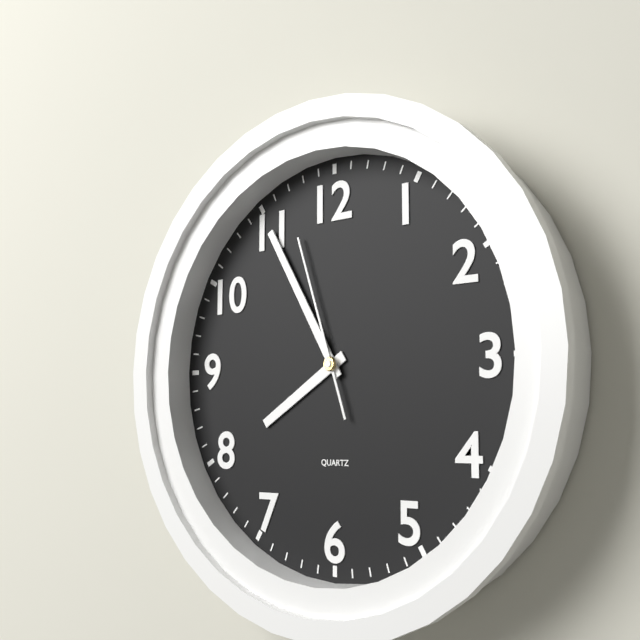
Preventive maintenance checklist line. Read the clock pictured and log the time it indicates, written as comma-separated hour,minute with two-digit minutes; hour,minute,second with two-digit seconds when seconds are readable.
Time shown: 7,55,57
